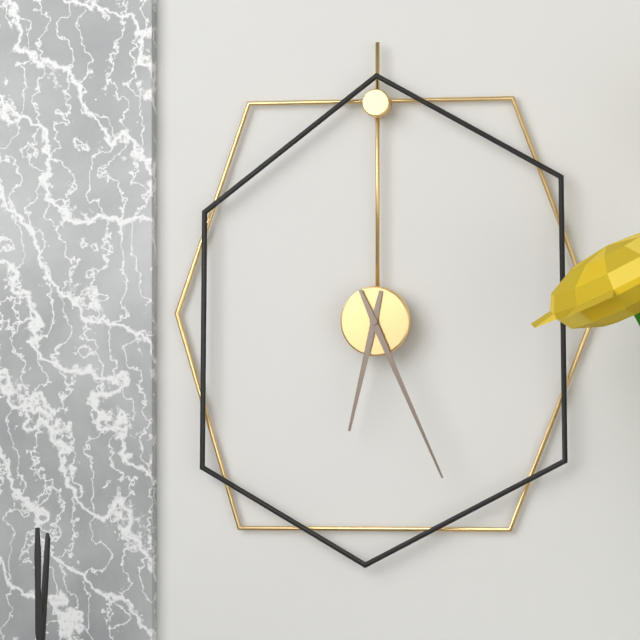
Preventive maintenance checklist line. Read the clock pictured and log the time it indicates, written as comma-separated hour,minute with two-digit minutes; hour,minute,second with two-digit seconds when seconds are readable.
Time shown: 6,26
